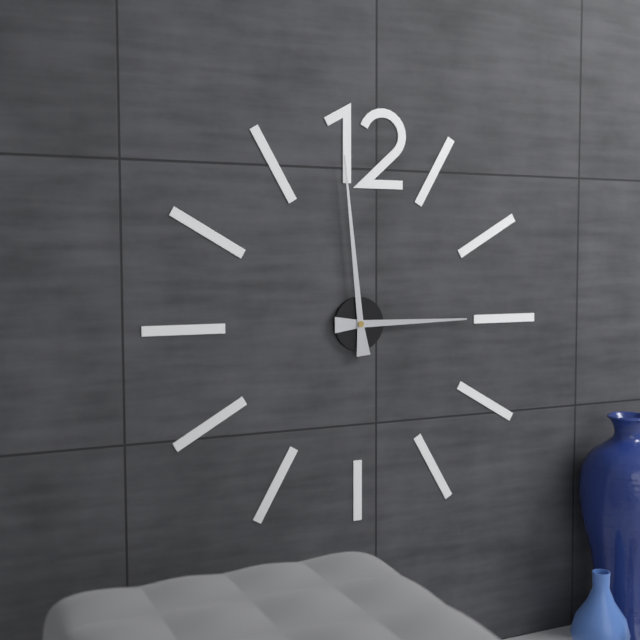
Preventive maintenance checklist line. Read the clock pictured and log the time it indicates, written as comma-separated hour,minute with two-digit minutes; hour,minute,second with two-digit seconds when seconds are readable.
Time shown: 2,59
